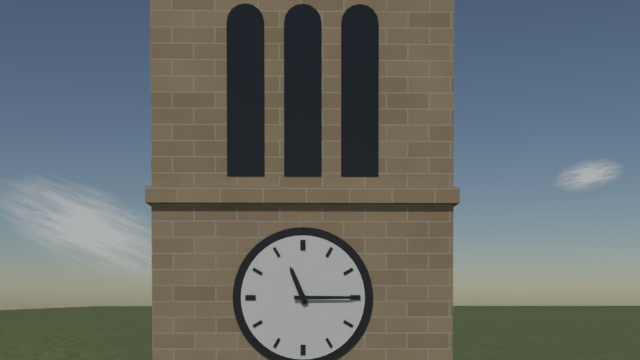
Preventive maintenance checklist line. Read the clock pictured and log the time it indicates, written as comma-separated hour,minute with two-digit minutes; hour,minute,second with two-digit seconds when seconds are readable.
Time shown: 11,15
